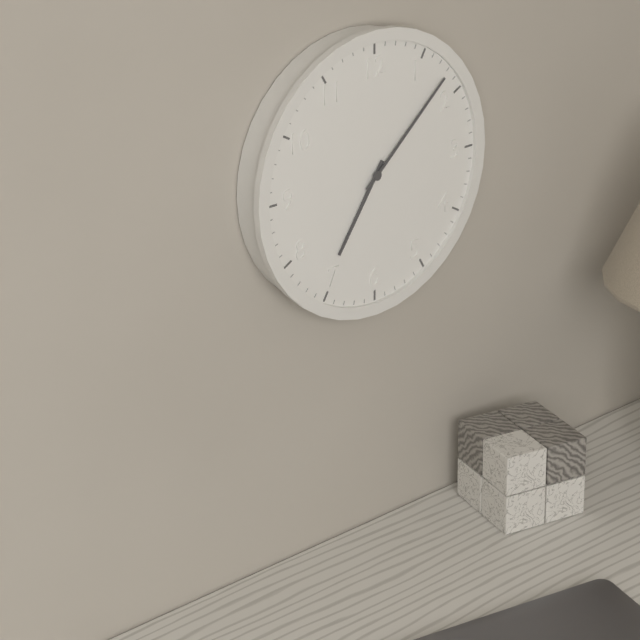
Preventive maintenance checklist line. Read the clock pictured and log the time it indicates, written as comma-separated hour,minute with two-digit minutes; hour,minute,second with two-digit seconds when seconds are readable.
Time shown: 7,08
